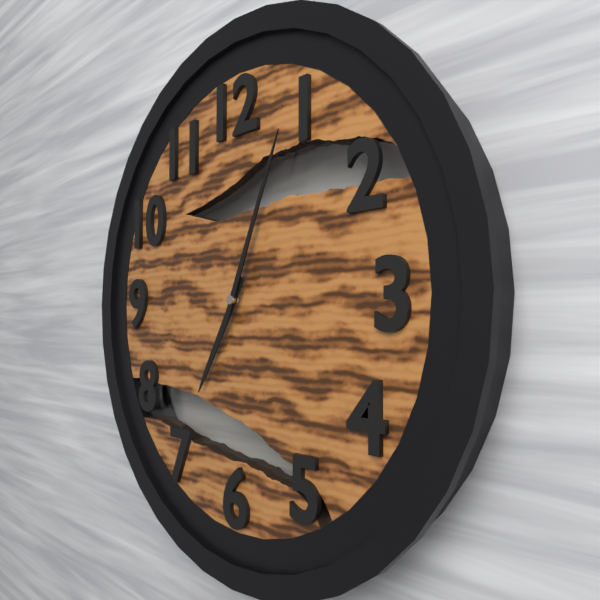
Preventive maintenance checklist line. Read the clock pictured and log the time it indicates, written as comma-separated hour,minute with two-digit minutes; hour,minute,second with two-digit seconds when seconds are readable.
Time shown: 7,04
